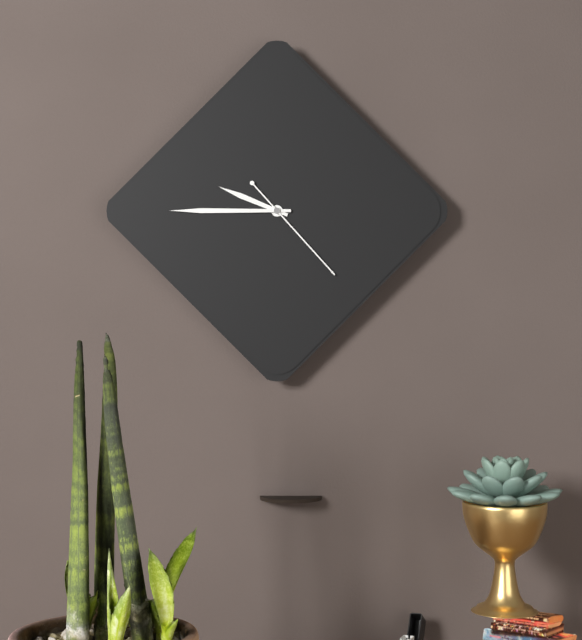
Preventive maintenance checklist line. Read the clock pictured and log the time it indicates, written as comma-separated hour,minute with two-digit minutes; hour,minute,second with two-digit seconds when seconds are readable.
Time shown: 9,45,23
